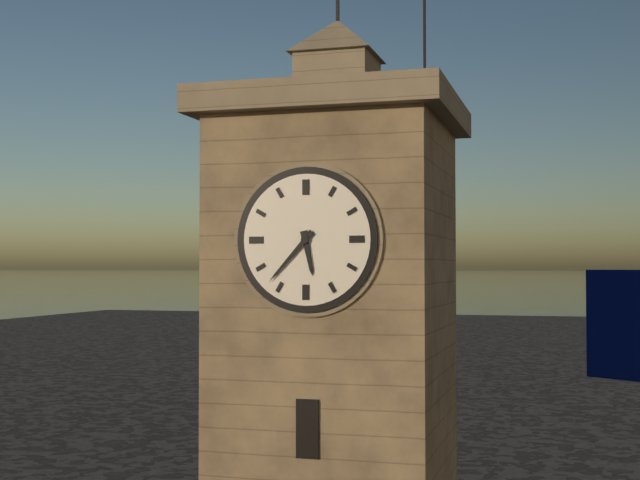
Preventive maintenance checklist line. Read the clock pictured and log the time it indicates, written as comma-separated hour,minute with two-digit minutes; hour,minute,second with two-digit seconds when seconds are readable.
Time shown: 5,37
